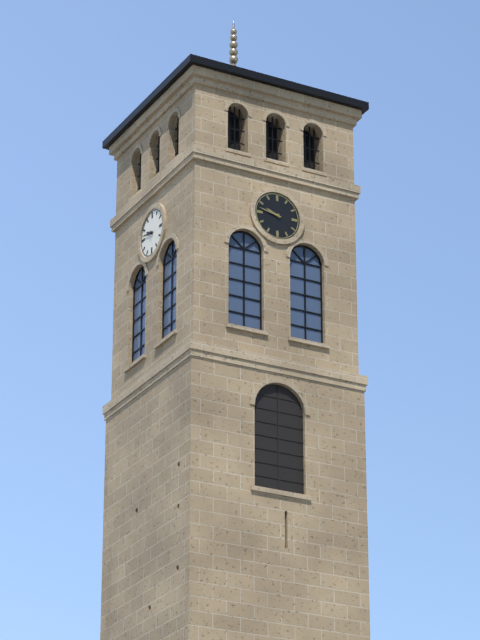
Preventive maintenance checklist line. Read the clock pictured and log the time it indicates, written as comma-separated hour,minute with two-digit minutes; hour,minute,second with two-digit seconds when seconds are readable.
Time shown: 9,47
